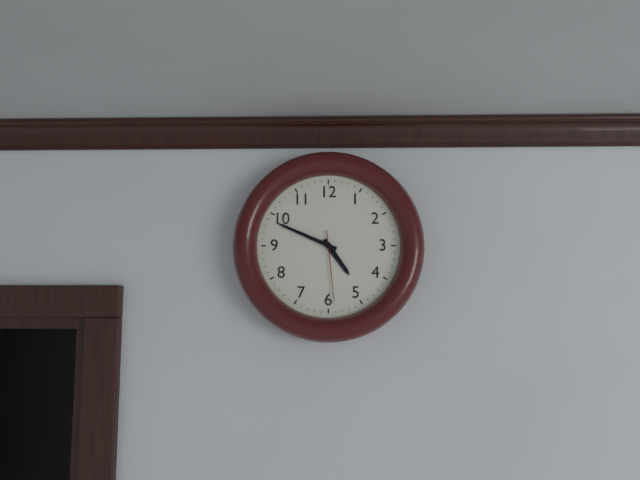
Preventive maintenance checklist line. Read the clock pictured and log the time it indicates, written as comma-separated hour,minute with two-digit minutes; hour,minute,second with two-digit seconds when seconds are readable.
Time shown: 4,49,29
